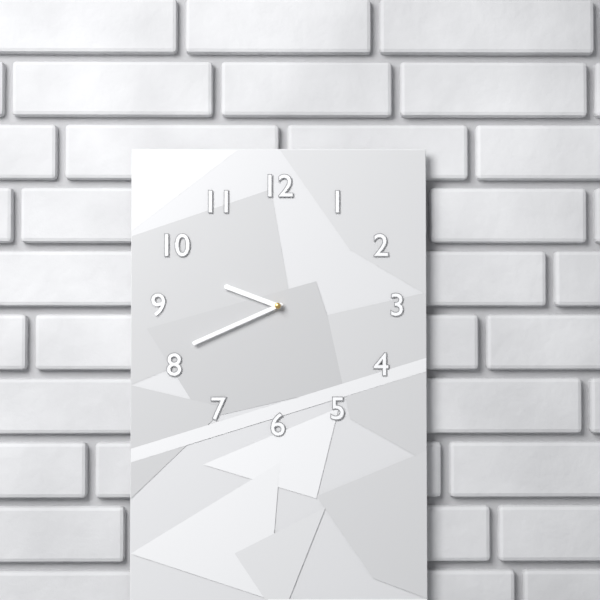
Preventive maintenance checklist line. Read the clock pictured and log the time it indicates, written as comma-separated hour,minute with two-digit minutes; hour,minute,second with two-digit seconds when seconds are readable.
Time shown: 9,41
